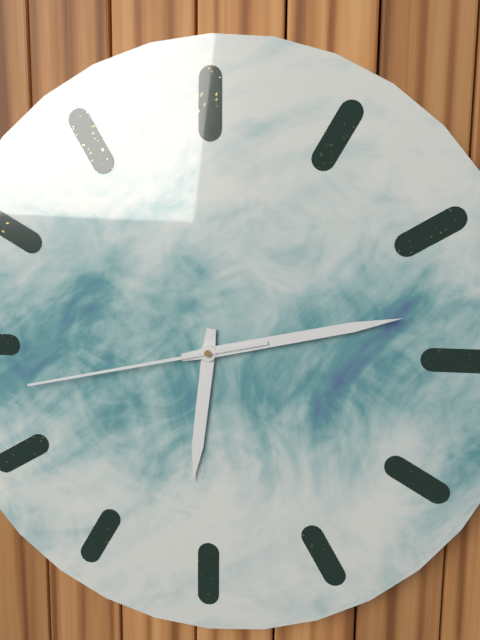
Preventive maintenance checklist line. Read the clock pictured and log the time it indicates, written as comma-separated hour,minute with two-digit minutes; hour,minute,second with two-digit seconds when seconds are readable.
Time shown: 6,13,43
